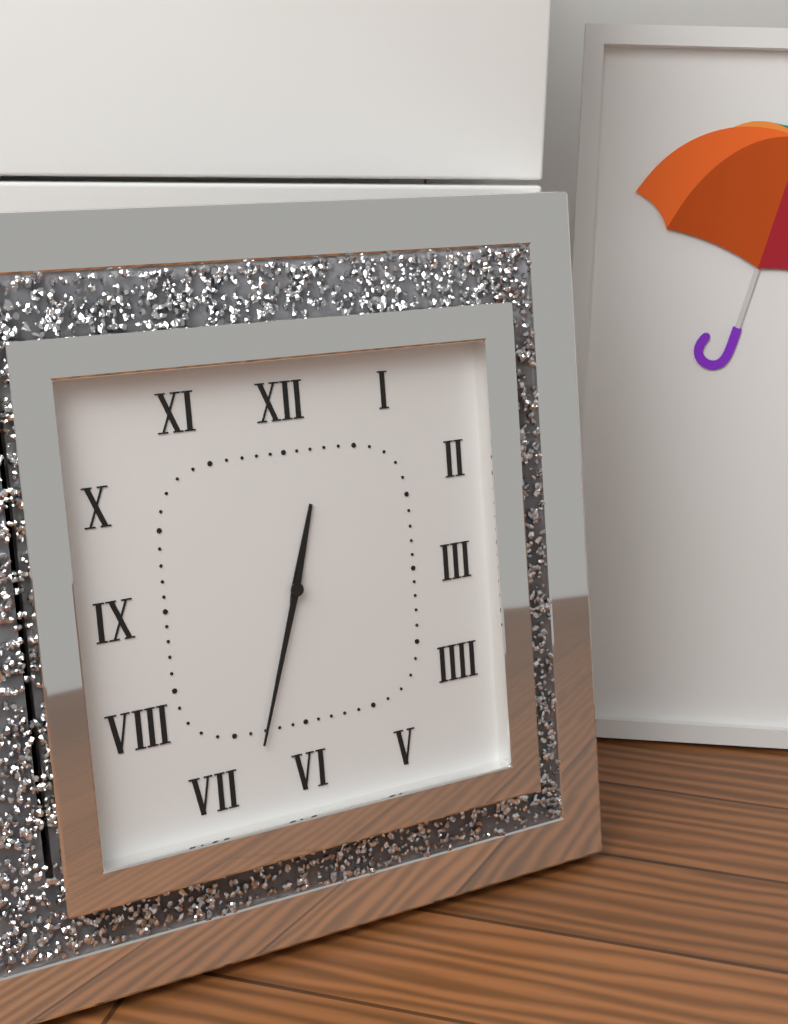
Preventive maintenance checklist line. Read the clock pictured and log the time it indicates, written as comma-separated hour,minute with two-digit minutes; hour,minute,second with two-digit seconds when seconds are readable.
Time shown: 12,33
